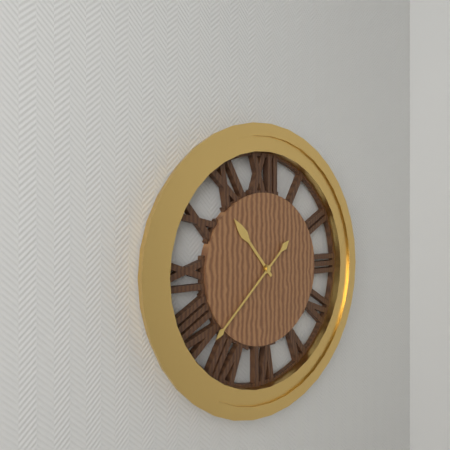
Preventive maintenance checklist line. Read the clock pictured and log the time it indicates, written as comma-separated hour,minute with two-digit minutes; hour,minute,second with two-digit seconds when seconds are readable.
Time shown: 10,38
